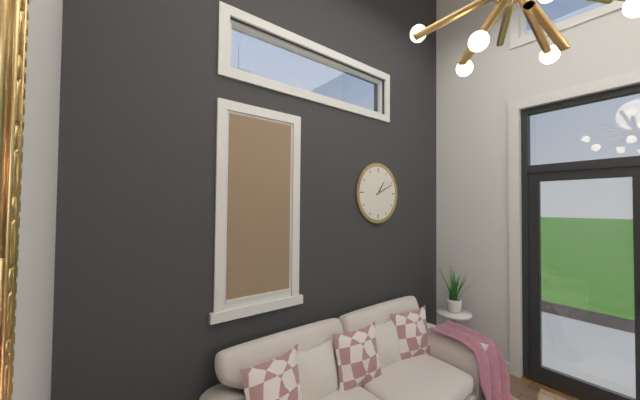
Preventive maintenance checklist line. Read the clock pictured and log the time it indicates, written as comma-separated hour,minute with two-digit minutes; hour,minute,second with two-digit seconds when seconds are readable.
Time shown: 1,11
